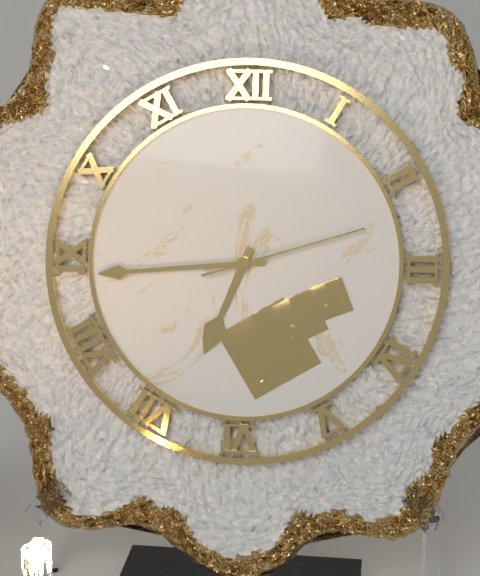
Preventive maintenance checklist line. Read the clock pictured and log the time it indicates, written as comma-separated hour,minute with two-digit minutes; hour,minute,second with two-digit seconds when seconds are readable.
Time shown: 6,44,12
